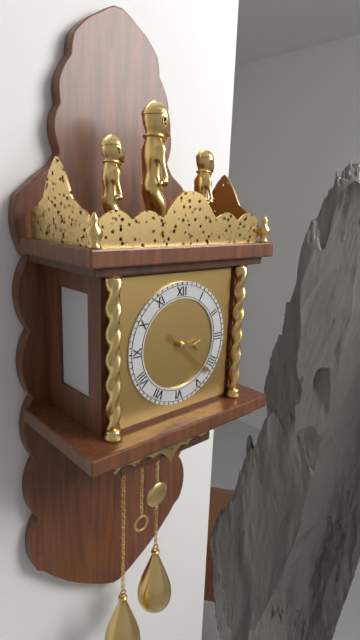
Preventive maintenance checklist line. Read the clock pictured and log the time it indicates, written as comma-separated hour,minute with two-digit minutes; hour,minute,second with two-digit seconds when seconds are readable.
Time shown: 3,22
